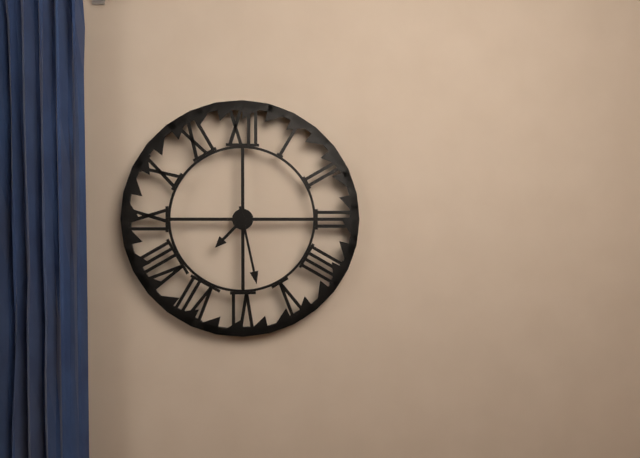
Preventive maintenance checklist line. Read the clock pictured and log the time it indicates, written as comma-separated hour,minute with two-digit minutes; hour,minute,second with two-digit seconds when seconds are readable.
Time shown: 7,28
